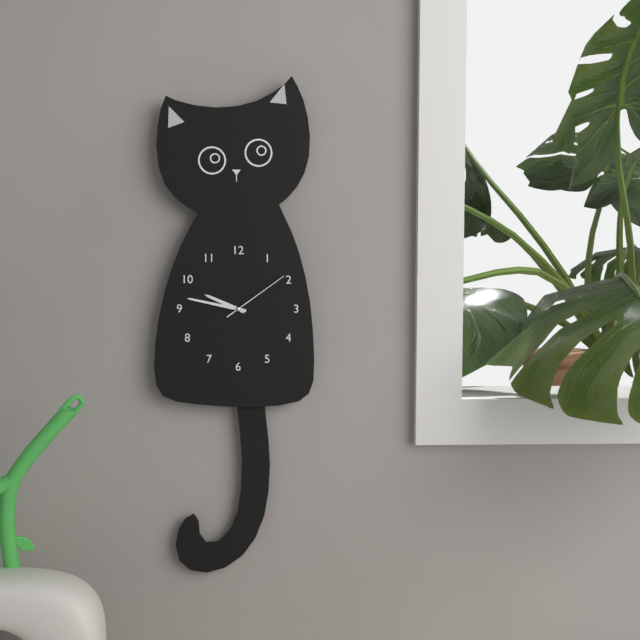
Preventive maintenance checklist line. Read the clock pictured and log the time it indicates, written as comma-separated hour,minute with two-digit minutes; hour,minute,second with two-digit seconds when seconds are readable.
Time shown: 9,47,09
